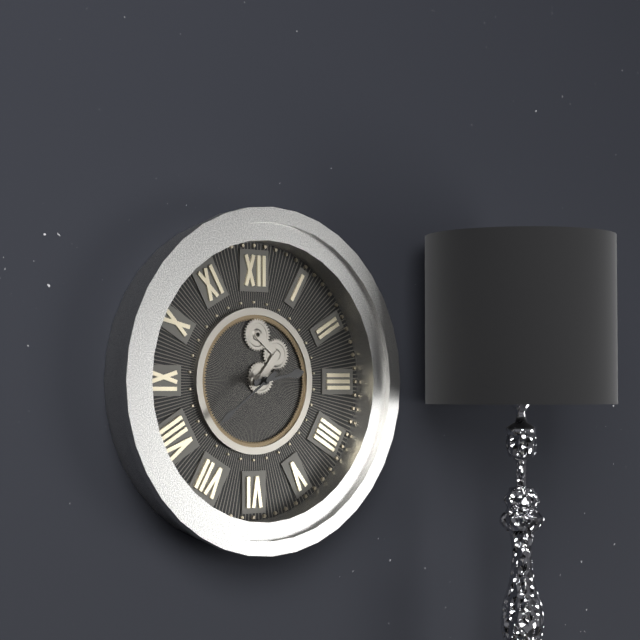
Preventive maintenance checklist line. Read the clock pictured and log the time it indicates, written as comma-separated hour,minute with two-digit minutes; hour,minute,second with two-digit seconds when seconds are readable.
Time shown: 2,39
